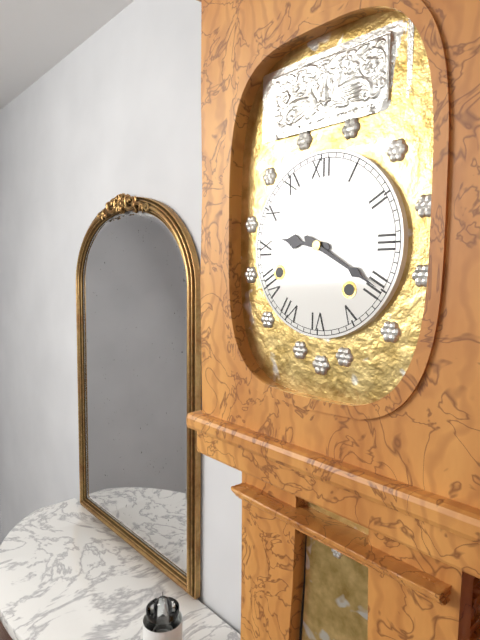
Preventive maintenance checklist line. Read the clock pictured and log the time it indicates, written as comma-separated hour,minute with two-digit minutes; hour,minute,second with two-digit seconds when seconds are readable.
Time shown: 9,20
